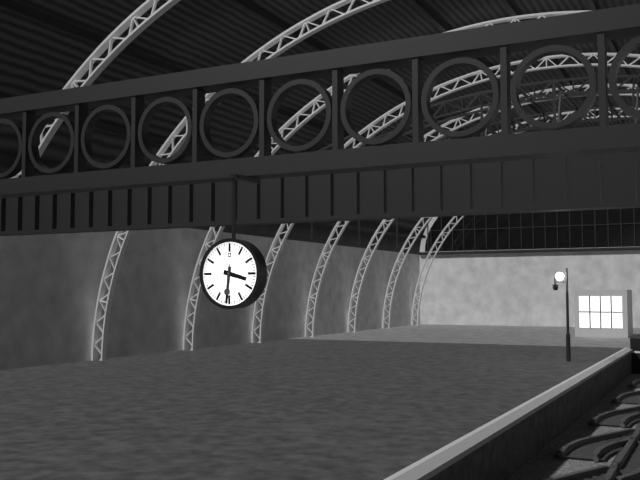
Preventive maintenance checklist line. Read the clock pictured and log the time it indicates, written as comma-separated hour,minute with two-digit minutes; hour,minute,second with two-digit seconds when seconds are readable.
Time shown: 3,31
